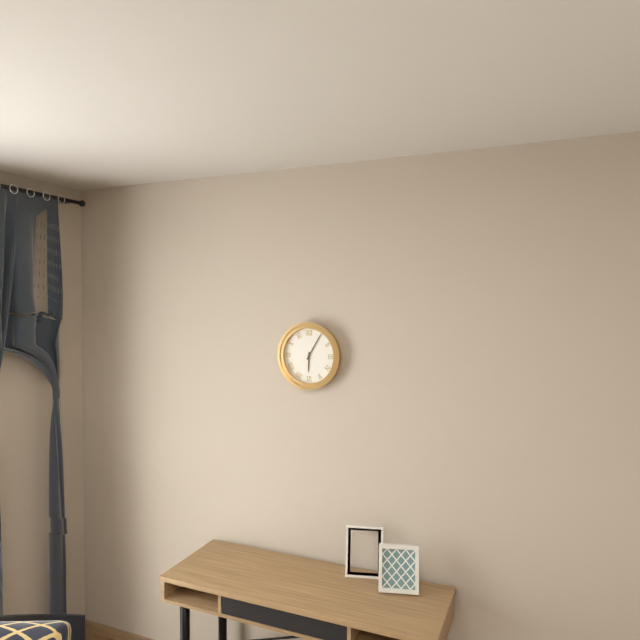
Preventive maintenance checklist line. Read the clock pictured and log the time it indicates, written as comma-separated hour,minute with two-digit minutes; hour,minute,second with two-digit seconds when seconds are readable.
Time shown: 6,05
